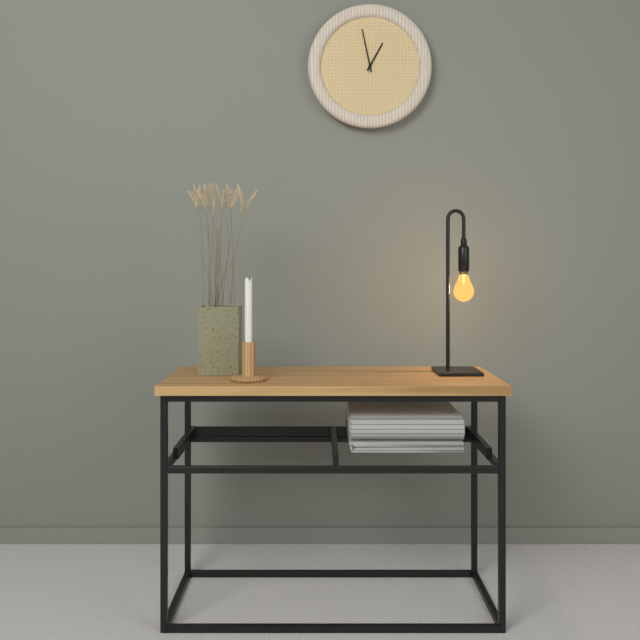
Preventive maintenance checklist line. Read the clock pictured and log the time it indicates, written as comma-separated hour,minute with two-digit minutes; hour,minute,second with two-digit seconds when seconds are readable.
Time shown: 12,58
